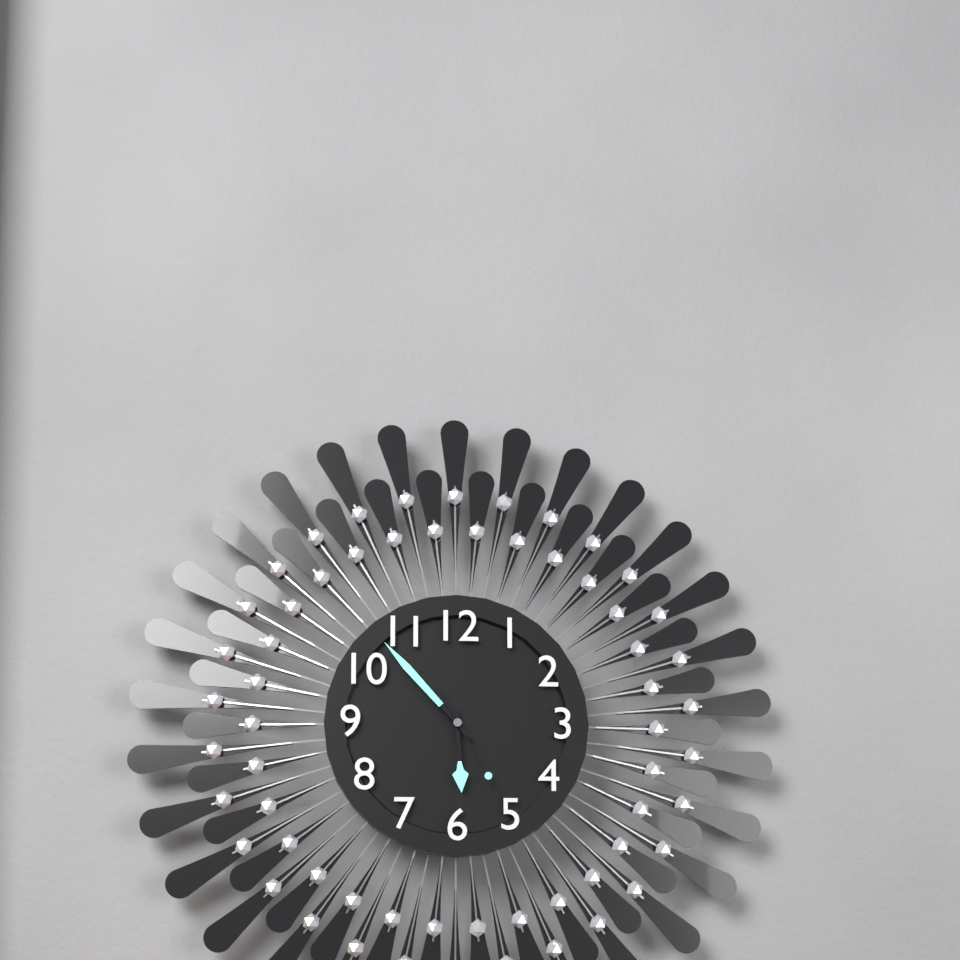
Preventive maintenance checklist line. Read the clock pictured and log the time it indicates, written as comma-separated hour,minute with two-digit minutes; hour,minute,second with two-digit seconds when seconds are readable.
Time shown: 5,53,25
